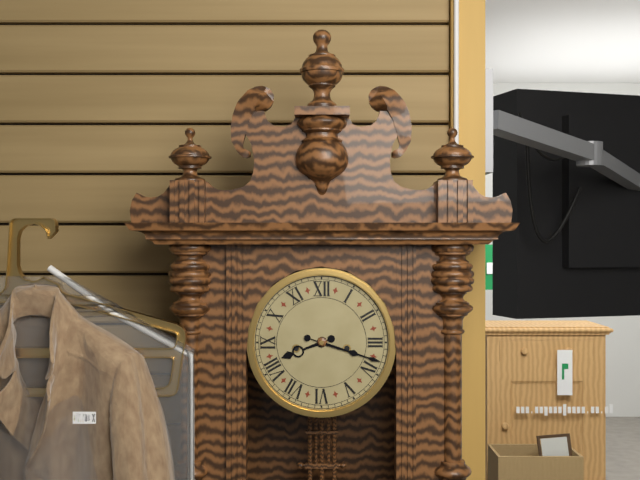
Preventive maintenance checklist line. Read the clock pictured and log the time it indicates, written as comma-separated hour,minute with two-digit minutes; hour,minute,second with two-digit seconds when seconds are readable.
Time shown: 8,18
